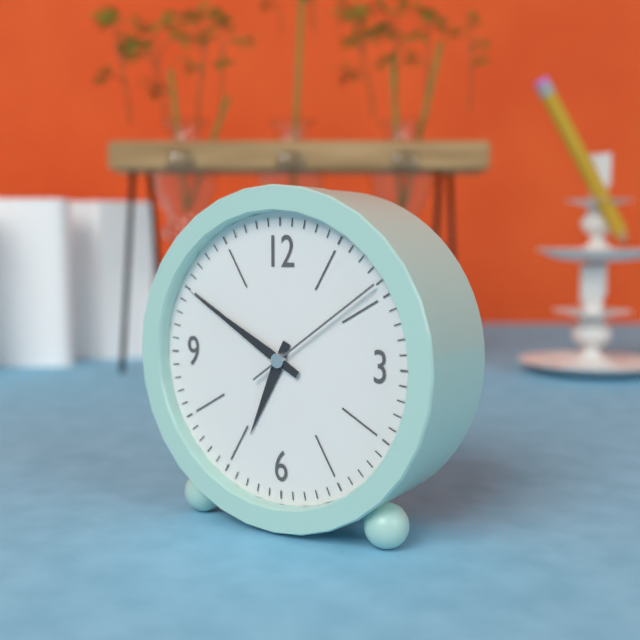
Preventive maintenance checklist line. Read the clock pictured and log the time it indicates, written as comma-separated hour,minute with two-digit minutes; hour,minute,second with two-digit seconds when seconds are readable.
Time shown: 6,50,09
